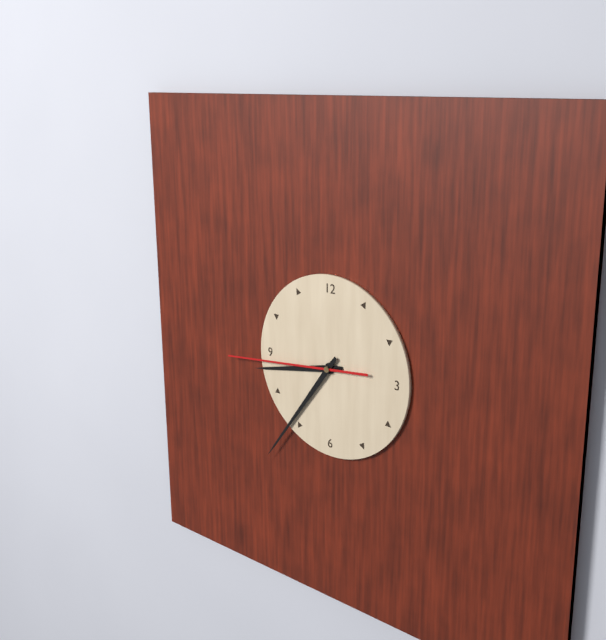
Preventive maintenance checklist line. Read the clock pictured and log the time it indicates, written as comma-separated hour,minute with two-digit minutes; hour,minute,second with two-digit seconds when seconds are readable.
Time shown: 8,36,44
